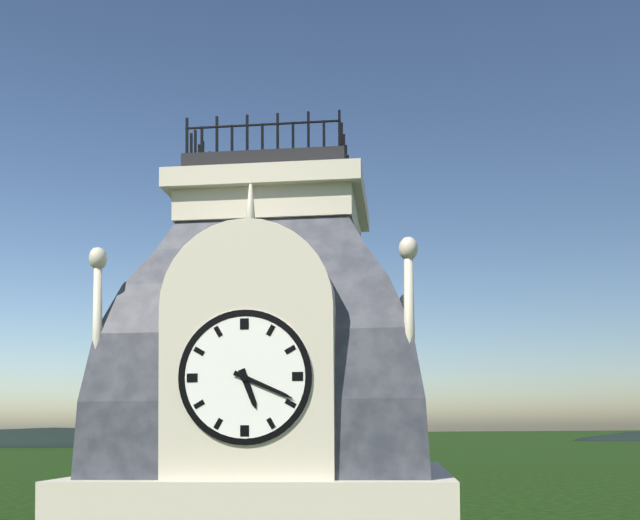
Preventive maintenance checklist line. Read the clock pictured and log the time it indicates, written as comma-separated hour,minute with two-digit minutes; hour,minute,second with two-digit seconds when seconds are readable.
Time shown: 5,19
